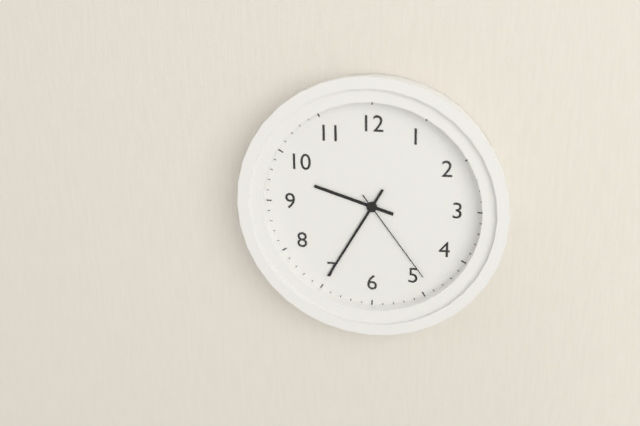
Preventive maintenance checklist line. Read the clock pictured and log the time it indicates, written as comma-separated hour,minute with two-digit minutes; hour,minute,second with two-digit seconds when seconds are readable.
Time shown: 9,35,24
